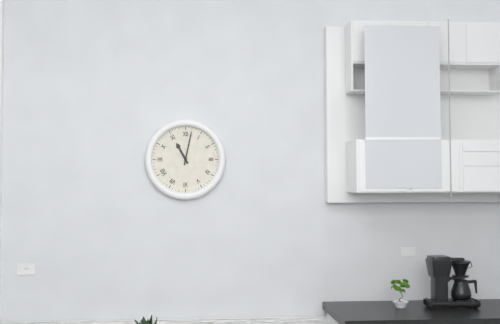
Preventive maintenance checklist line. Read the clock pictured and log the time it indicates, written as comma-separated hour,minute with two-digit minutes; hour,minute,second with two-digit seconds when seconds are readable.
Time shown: 11,02
